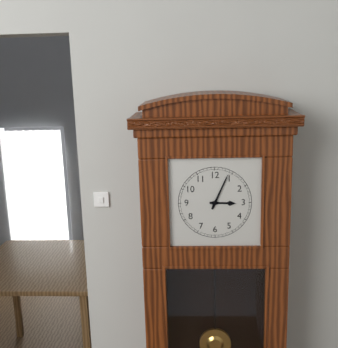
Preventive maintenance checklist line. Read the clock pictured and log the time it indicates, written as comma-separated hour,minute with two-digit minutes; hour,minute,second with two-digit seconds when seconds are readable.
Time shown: 3,04
